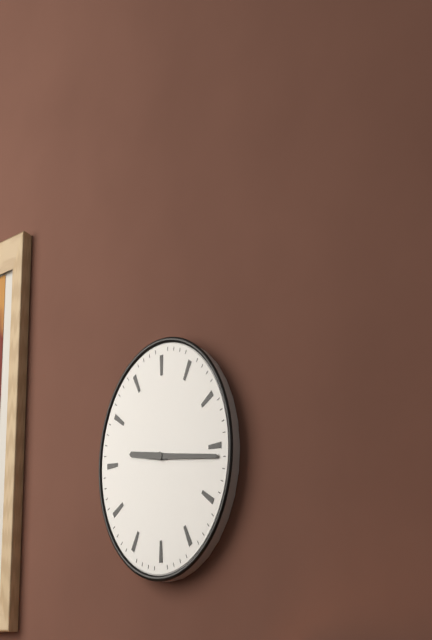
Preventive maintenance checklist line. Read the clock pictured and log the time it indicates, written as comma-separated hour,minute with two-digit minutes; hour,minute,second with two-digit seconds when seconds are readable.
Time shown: 9,16
